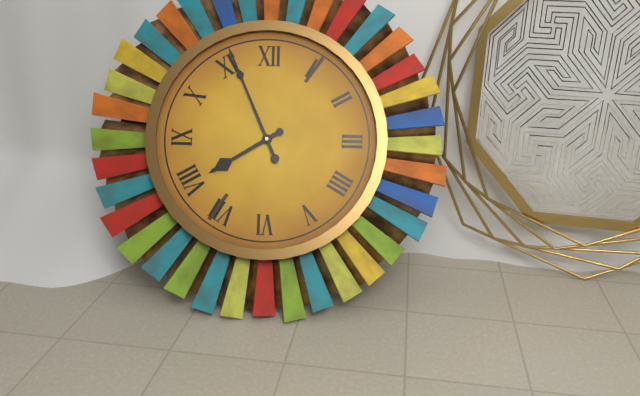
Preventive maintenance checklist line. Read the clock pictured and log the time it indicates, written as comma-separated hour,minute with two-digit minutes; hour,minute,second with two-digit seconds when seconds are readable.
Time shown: 7,56
